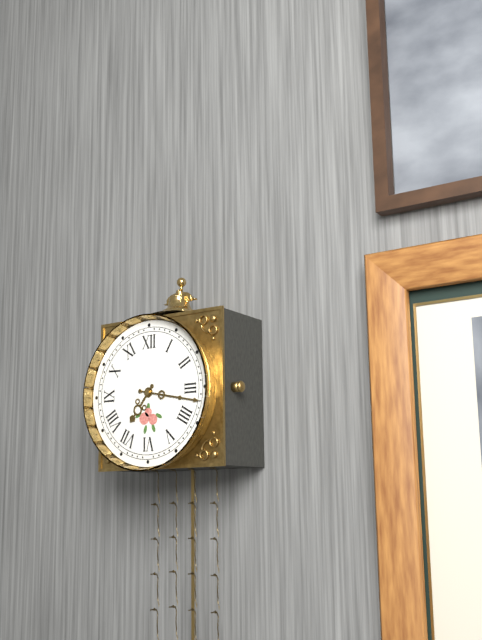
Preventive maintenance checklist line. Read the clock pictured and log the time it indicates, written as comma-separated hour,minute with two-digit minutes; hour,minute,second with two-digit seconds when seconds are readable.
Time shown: 7,17
